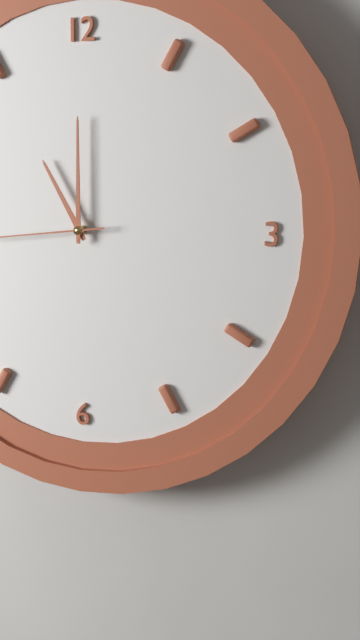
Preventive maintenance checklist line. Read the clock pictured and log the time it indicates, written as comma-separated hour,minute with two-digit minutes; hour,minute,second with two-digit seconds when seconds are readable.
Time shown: 11,00
